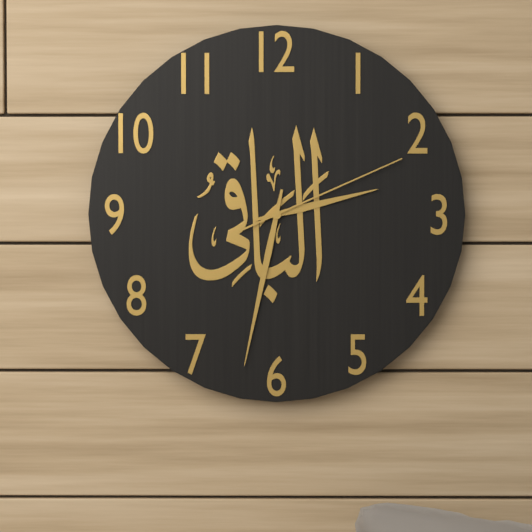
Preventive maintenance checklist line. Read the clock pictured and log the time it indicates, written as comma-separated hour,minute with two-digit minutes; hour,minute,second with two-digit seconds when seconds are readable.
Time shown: 2,32,11
